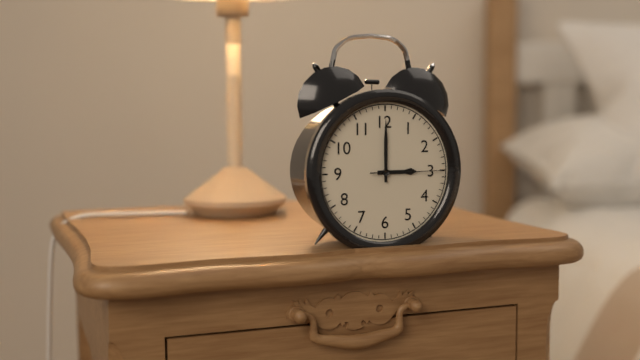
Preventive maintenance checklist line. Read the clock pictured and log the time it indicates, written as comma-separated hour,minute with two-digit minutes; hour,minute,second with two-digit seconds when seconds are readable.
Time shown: 3,00,15
